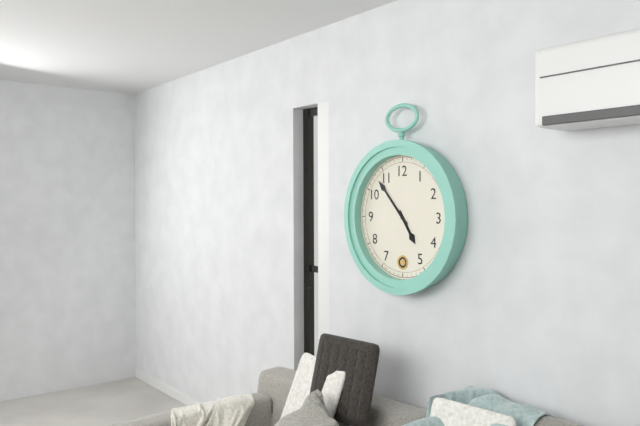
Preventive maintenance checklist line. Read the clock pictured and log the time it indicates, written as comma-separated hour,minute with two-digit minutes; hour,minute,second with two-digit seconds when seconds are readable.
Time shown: 4,53
